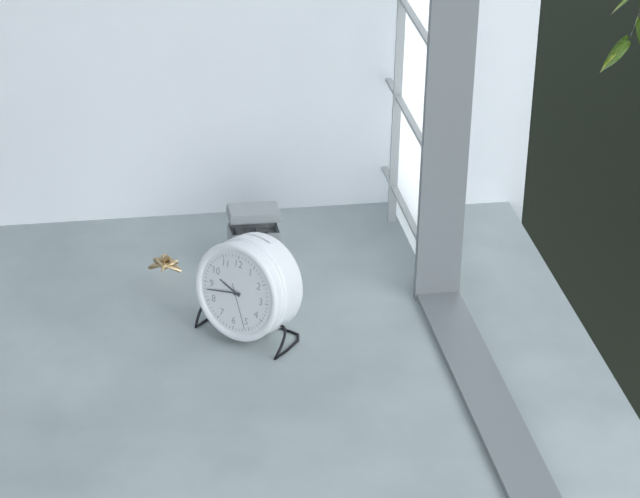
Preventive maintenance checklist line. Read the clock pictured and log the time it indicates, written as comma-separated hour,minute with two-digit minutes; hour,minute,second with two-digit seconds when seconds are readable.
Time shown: 9,43
